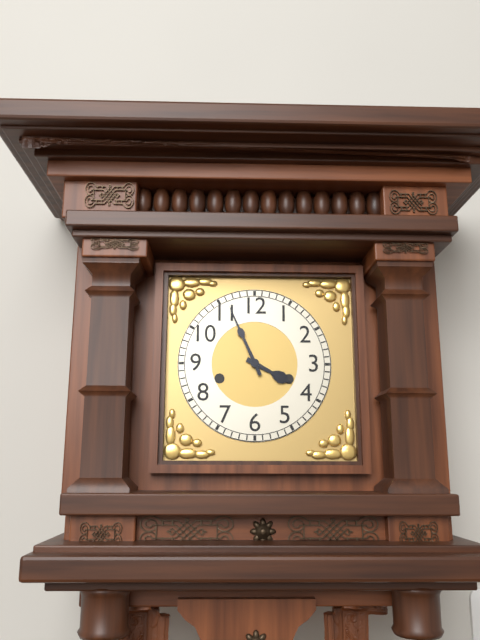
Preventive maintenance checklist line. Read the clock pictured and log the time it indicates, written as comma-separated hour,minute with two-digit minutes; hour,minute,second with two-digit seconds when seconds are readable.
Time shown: 3,56
